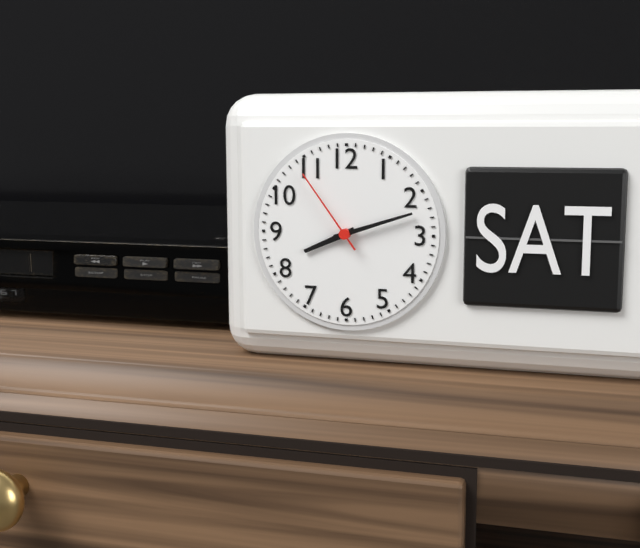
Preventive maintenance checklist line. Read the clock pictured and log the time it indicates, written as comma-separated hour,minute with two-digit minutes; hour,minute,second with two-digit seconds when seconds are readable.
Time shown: 8,12,54
